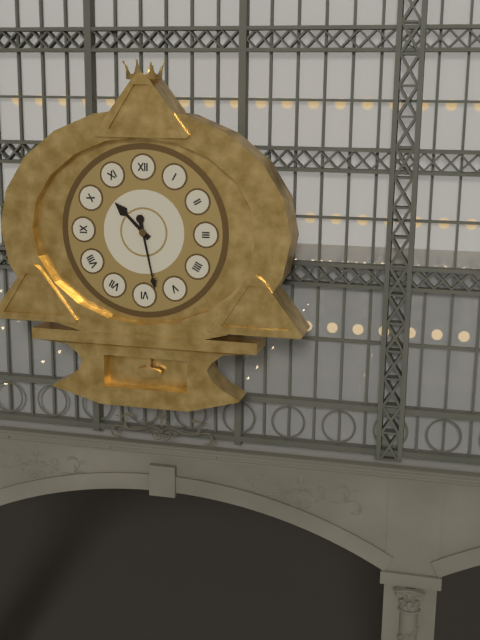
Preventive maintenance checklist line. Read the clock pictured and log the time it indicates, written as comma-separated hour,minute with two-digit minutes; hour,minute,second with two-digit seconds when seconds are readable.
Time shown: 10,28
